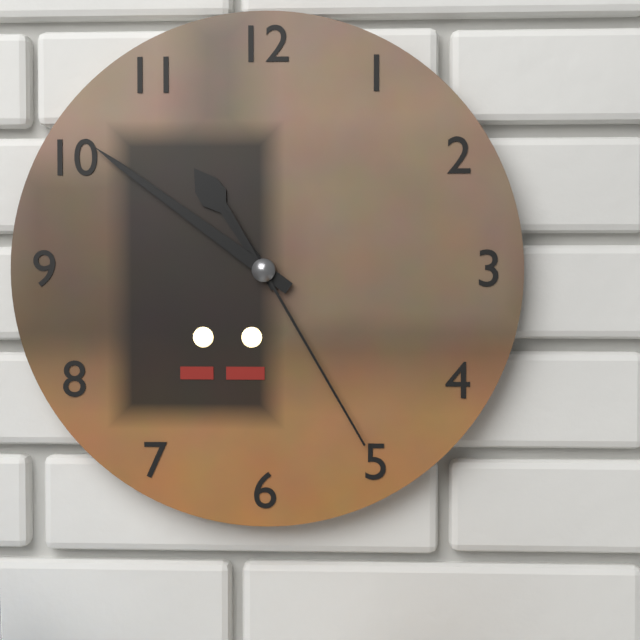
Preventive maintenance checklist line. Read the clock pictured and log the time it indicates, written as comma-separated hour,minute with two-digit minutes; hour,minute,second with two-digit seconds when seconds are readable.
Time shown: 10,51,25
